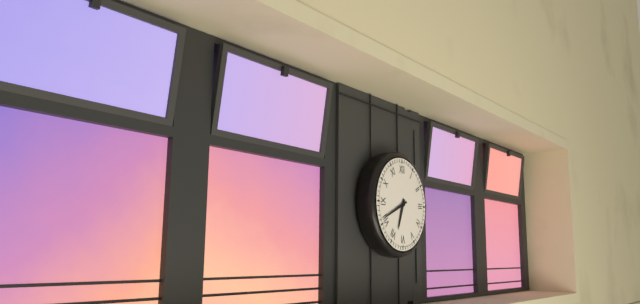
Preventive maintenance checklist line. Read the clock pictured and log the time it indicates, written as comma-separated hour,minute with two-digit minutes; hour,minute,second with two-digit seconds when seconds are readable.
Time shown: 6,41
